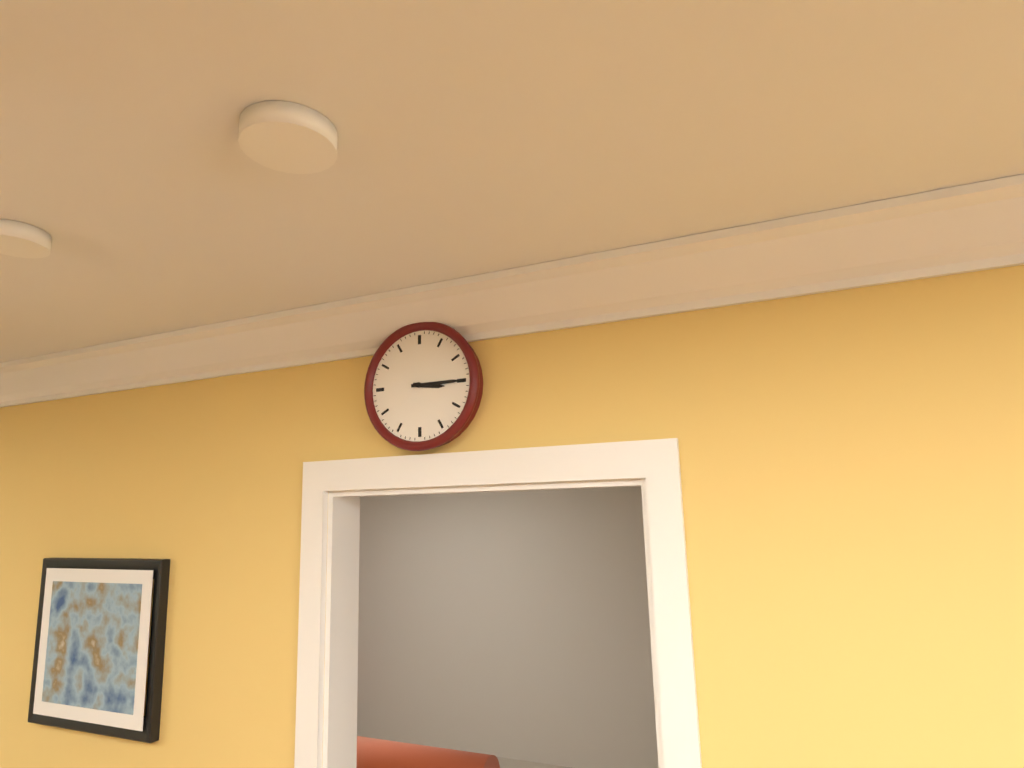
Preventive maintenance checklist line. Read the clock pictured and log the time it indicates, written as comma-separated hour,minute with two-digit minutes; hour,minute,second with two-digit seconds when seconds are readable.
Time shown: 3,15
